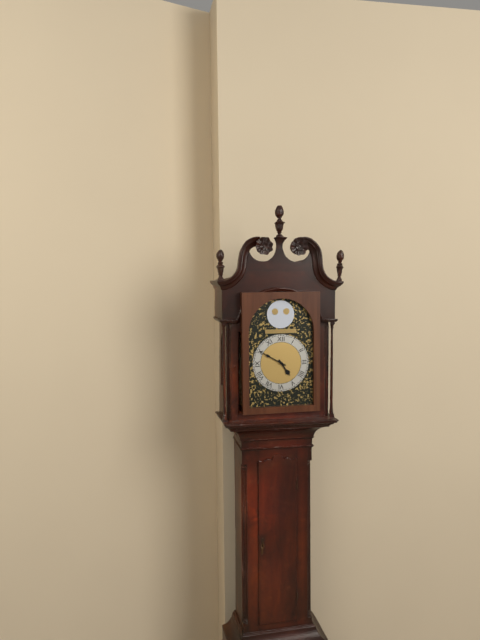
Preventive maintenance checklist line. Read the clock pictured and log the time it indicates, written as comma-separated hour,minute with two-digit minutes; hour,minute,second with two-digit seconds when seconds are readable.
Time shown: 4,50
